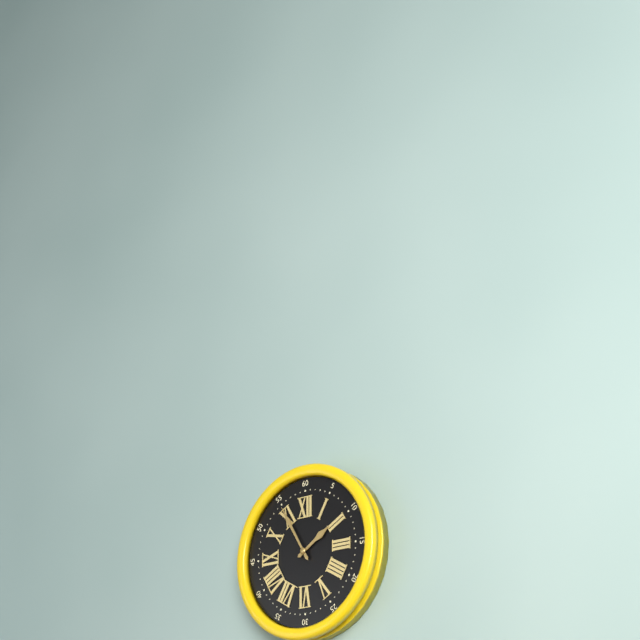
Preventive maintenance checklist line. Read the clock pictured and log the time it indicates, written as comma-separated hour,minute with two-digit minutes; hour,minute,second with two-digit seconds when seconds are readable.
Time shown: 1,55
